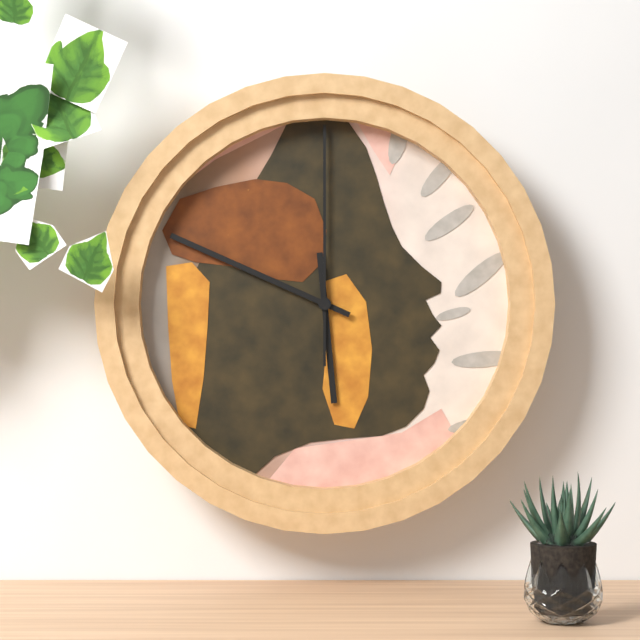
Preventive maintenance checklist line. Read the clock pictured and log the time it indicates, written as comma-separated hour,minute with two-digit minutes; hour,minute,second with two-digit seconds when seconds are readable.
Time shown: 5,49,00
